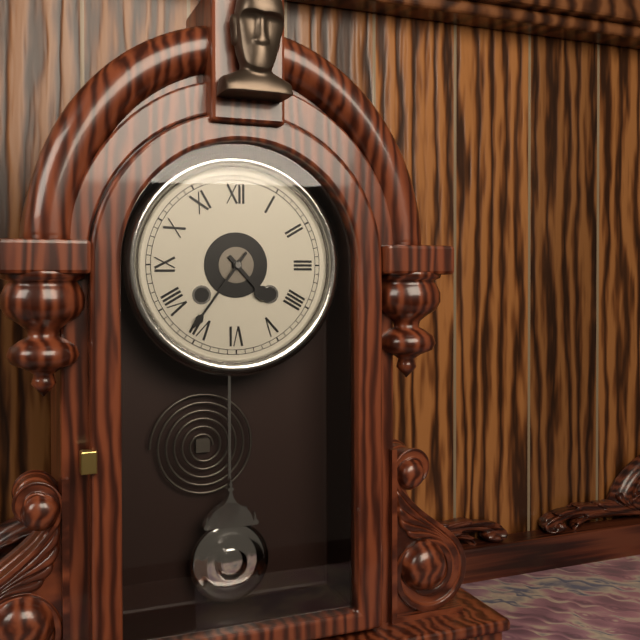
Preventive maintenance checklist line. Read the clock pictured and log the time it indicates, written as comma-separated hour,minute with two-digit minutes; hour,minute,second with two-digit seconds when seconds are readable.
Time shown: 4,36
